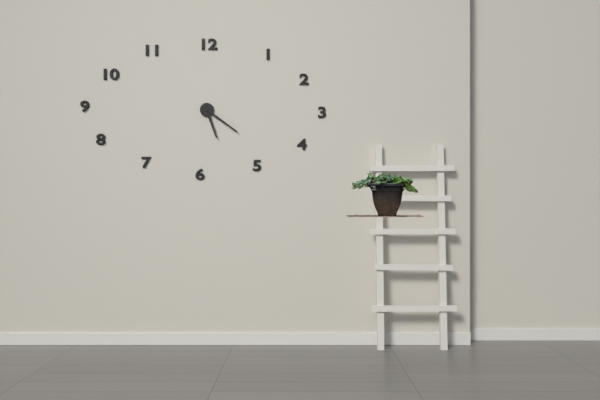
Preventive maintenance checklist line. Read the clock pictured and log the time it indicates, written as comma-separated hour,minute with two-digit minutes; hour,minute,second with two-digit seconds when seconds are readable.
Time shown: 5,21
